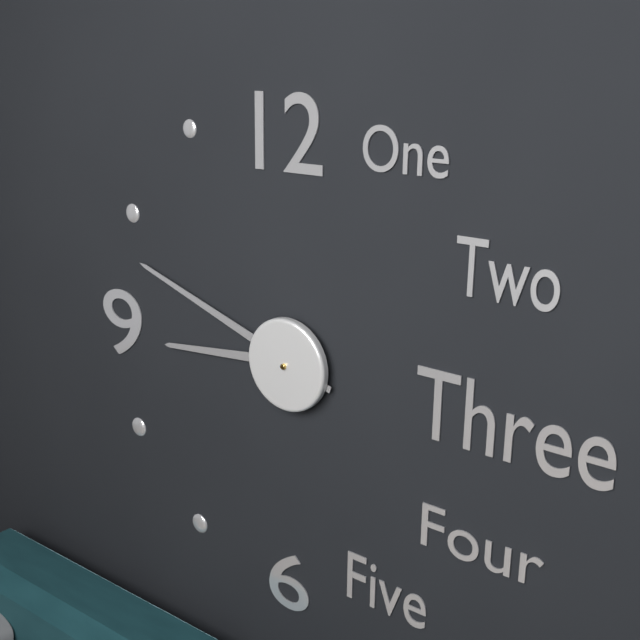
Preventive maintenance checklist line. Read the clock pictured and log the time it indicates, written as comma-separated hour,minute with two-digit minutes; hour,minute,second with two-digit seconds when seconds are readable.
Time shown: 8,48
